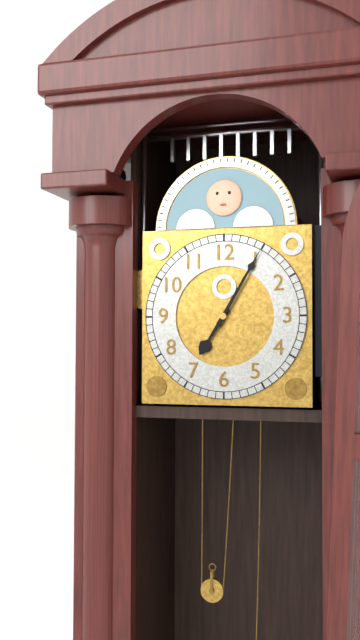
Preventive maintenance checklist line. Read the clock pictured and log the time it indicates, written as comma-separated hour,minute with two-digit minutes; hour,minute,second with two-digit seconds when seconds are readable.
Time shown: 7,05
